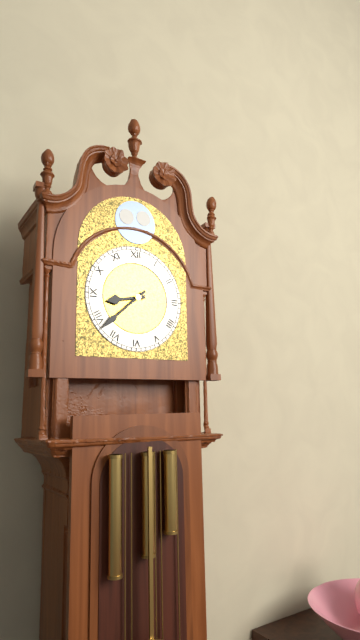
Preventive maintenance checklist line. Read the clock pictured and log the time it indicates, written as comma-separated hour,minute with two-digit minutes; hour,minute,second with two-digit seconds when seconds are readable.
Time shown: 8,38
